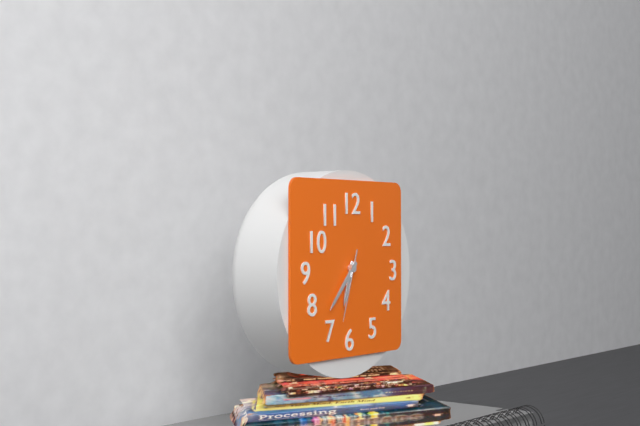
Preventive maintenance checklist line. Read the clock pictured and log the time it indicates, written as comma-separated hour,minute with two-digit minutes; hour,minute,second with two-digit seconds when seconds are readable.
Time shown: 6,37,33
